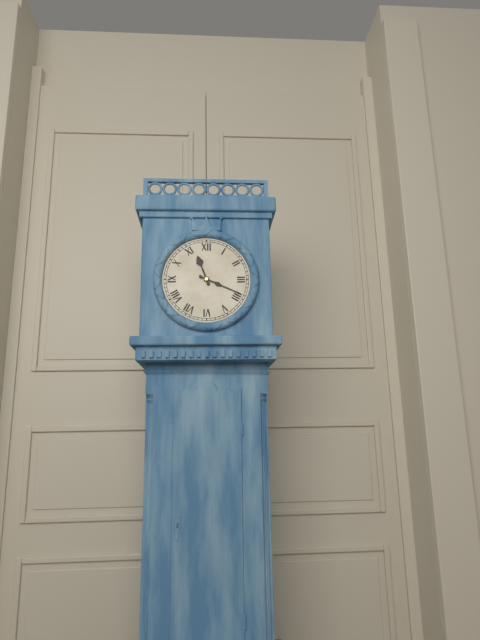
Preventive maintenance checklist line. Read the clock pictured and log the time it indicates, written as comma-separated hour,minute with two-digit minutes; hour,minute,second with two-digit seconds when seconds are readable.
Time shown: 11,19
